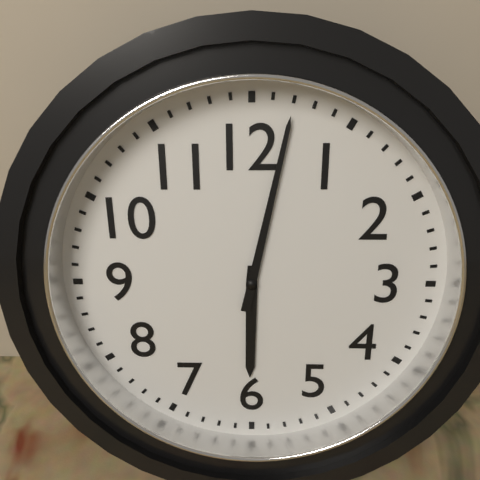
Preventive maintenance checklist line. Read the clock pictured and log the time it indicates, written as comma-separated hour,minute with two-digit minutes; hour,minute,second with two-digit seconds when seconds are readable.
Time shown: 6,02
